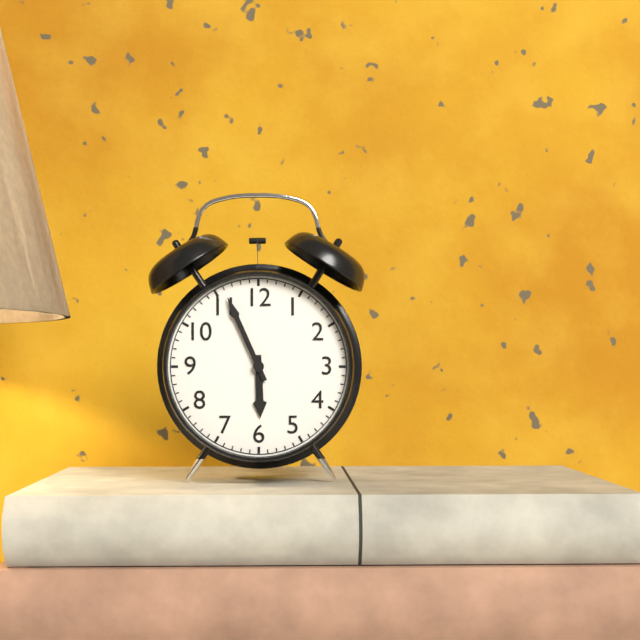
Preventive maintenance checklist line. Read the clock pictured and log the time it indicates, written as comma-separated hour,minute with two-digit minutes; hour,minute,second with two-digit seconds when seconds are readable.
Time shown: 5,56
